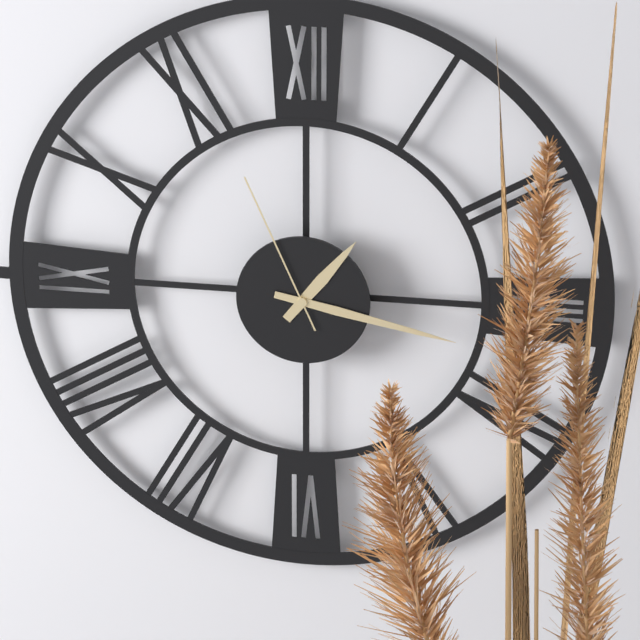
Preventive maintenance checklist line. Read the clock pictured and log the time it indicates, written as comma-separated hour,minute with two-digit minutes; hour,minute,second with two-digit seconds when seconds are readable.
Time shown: 1,17,56
